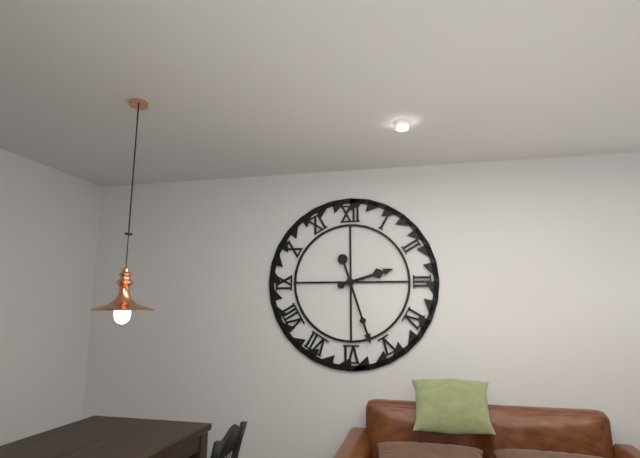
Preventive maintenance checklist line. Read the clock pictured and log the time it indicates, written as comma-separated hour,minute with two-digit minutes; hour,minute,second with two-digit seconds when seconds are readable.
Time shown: 2,27
